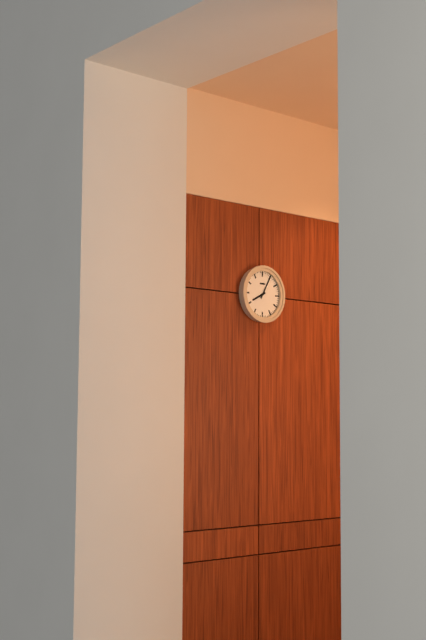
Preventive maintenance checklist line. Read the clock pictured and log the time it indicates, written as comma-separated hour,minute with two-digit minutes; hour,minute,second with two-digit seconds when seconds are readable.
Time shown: 8,05
